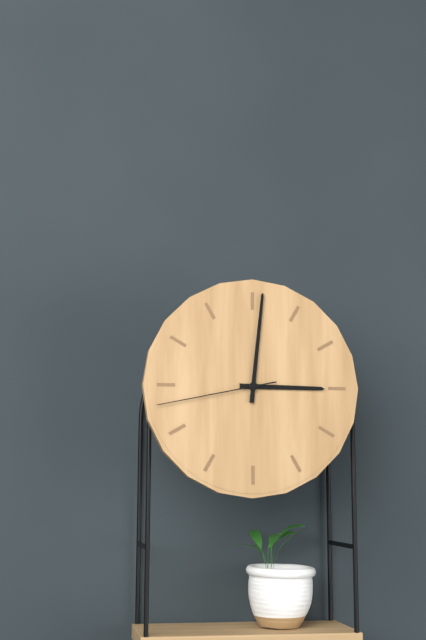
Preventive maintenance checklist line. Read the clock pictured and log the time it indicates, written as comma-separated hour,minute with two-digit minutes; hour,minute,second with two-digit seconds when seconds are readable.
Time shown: 3,01,43
